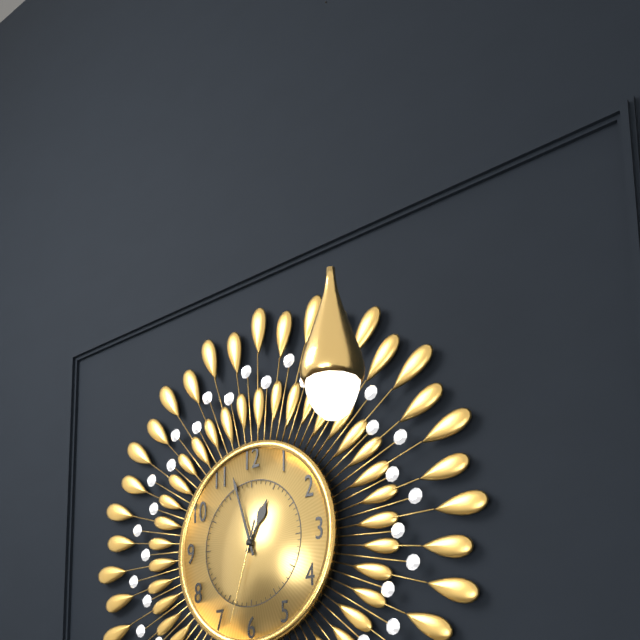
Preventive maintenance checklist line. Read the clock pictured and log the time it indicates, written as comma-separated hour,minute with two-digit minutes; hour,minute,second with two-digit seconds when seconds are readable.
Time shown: 12,57,33
